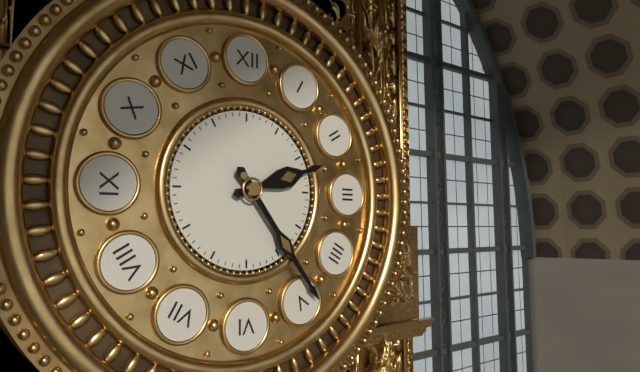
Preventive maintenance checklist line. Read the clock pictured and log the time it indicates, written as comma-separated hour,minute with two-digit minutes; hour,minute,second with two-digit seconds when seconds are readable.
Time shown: 2,24
